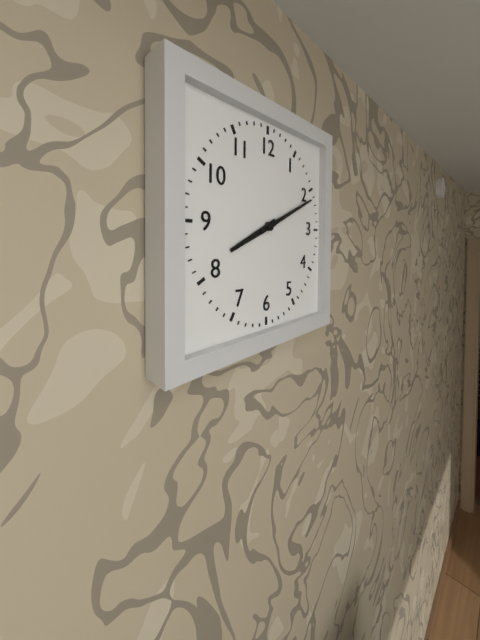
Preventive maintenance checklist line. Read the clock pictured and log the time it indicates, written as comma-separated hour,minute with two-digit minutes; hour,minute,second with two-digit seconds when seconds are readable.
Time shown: 8,11
